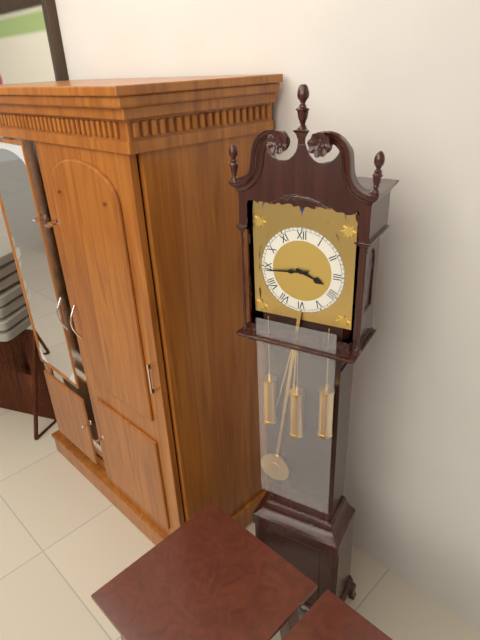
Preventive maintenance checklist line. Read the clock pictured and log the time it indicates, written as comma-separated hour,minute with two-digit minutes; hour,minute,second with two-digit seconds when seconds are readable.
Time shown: 3,44
